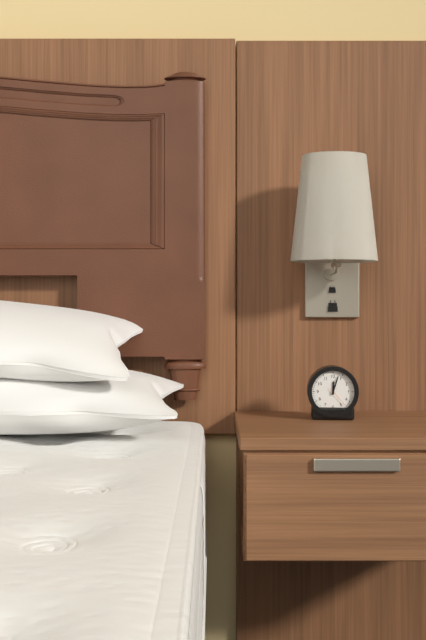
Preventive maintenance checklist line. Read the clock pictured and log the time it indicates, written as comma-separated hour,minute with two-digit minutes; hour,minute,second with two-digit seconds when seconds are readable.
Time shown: 12,03
